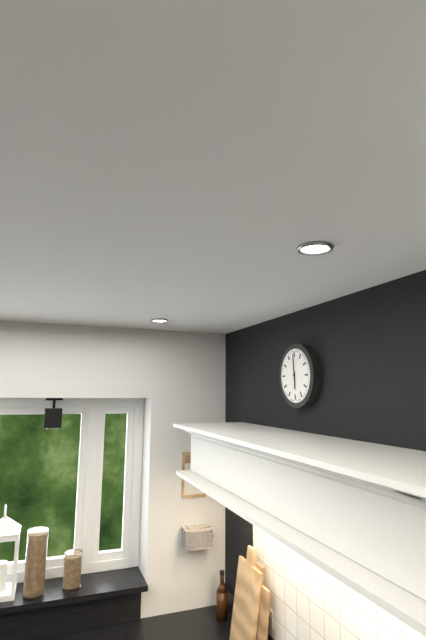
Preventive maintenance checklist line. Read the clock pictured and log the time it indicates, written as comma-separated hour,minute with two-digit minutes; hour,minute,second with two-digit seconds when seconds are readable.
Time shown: 5,59
